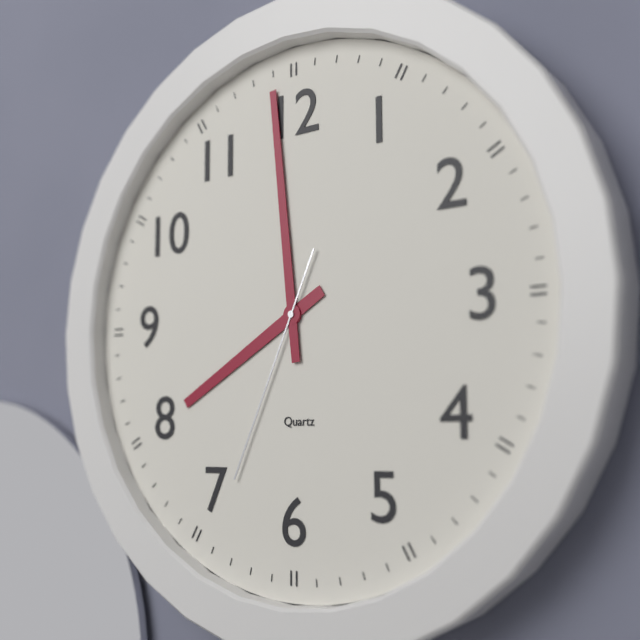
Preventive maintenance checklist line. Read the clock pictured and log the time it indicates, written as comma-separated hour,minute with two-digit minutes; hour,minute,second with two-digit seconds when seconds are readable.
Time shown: 7,59,34
